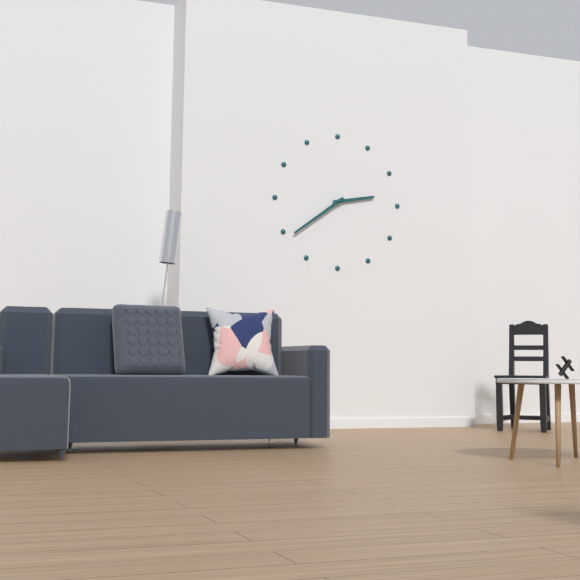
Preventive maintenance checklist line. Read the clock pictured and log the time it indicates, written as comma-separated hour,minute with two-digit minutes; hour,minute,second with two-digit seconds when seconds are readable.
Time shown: 2,39
